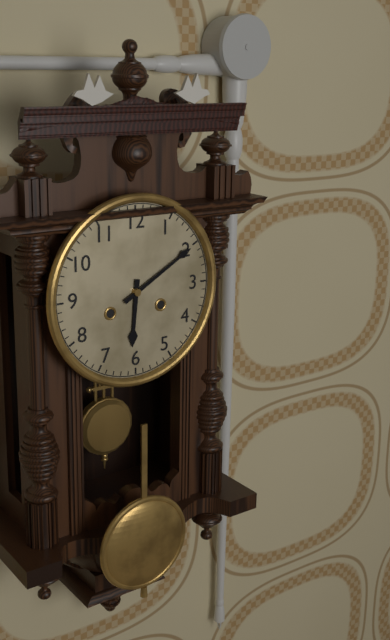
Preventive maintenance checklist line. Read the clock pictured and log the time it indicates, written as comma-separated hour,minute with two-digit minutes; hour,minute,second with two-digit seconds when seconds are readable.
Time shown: 6,10
